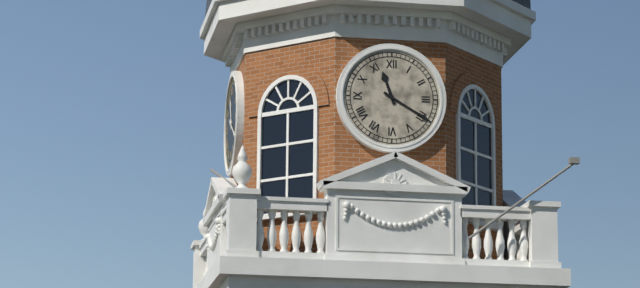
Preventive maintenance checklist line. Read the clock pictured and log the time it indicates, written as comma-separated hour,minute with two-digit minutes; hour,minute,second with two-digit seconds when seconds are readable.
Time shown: 11,20
